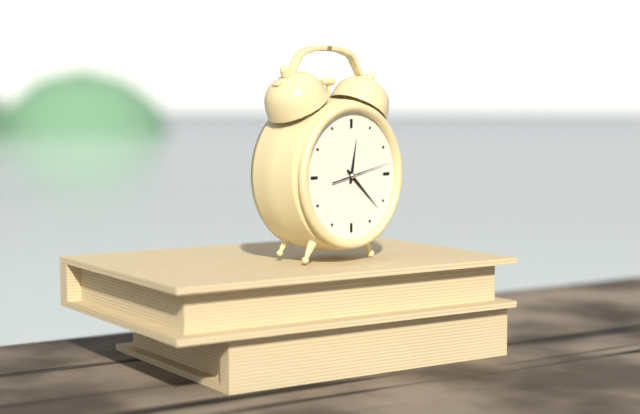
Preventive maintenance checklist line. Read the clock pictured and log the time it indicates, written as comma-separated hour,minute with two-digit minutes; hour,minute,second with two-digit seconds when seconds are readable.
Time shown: 12,22,13
